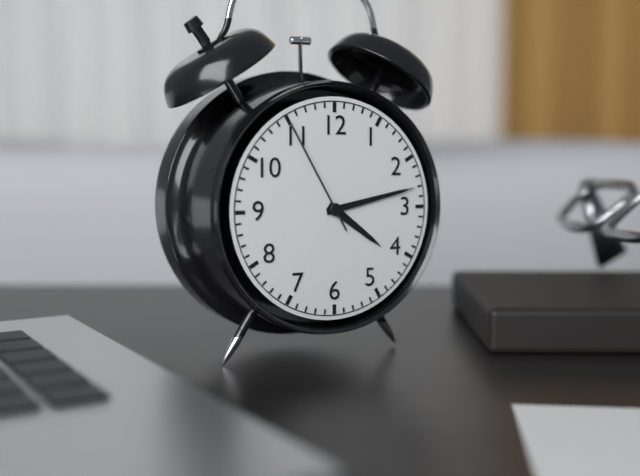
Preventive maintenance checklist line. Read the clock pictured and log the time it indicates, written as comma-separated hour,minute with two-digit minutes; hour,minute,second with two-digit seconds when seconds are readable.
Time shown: 4,13,55
